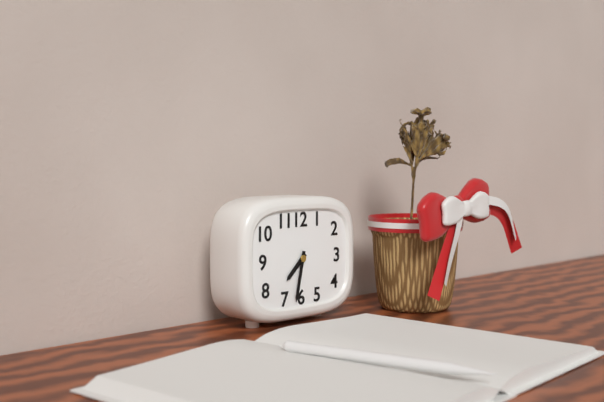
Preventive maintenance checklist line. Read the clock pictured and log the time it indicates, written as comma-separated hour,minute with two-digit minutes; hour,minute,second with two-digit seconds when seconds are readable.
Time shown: 7,32
